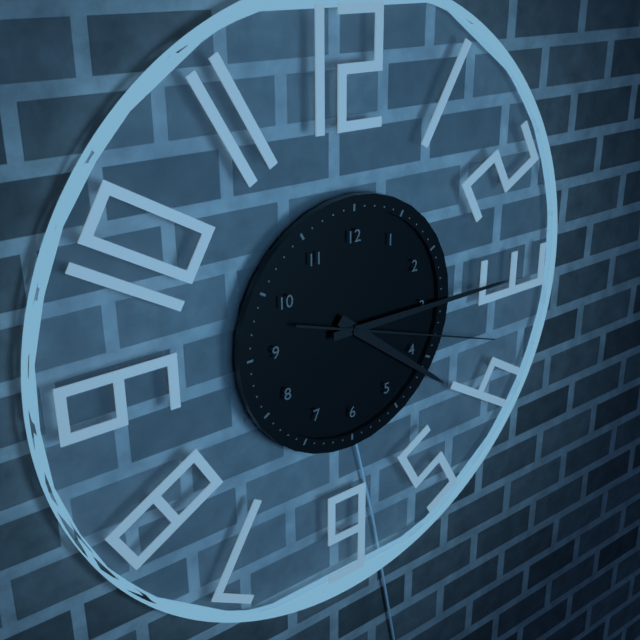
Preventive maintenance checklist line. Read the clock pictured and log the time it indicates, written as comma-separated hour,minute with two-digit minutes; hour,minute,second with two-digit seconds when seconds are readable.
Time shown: 4,15,18
